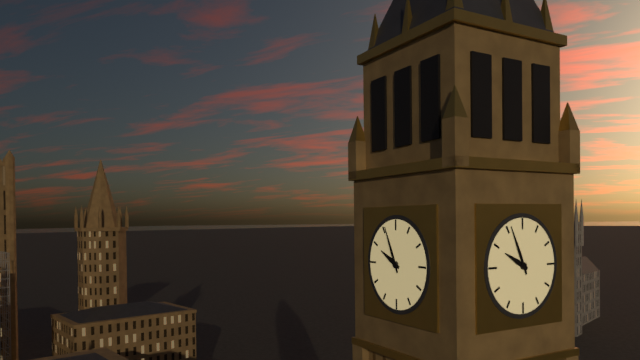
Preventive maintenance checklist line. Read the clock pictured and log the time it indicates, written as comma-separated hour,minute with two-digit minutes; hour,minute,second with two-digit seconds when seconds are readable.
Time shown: 9,56
